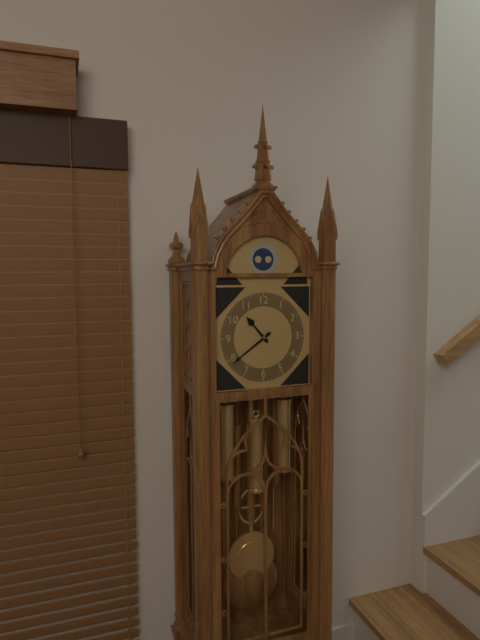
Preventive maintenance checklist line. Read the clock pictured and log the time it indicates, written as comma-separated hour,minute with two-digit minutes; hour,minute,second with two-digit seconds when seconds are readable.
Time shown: 10,39
